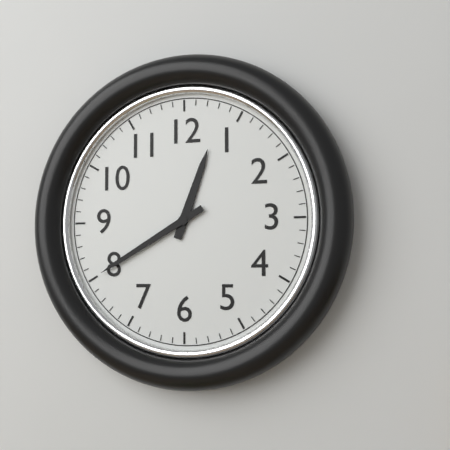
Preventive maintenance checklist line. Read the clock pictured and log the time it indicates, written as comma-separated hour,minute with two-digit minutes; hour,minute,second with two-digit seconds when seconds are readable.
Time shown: 12,40
